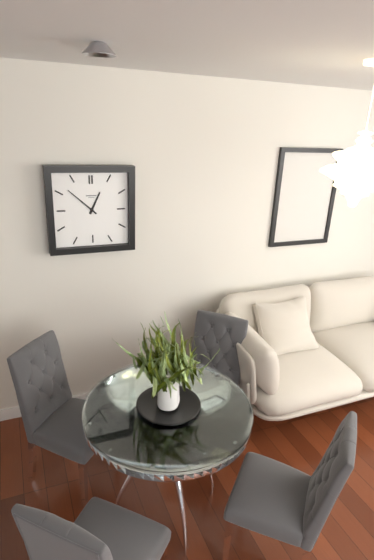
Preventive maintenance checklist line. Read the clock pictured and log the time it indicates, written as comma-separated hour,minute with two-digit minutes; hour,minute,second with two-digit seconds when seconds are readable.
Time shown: 12,52
